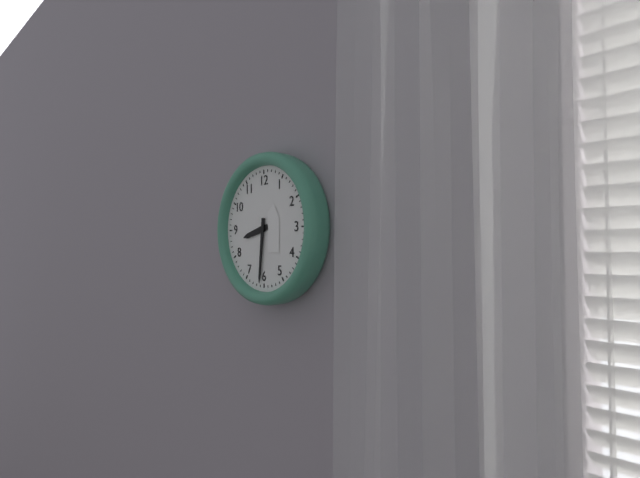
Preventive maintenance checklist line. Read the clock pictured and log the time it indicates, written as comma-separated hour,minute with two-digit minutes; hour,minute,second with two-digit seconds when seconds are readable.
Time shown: 8,31
